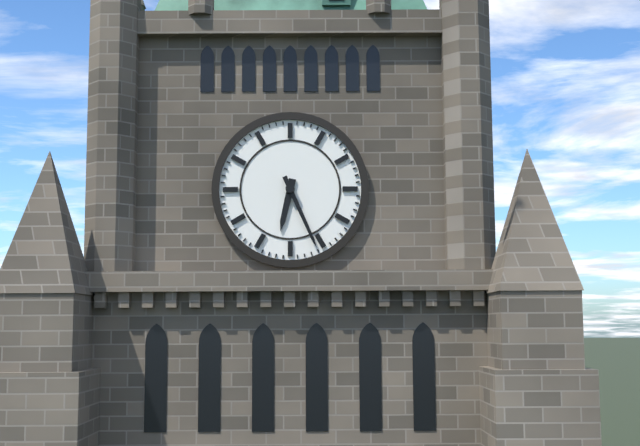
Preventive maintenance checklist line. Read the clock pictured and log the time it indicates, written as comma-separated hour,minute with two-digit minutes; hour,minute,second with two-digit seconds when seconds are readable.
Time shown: 6,26
